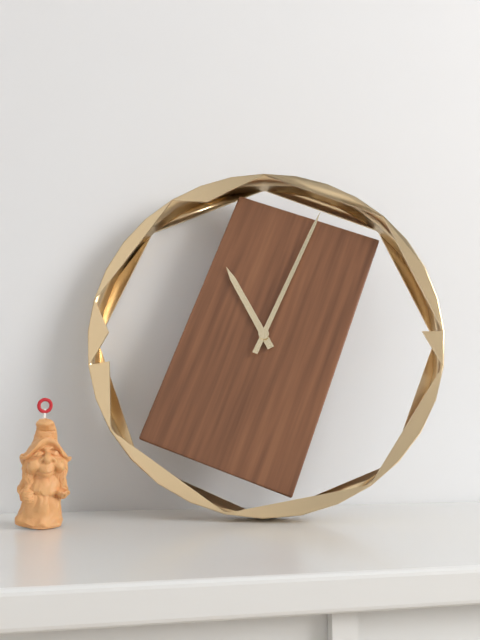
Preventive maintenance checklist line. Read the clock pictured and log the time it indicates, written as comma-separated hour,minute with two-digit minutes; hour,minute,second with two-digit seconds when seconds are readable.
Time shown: 11,04
